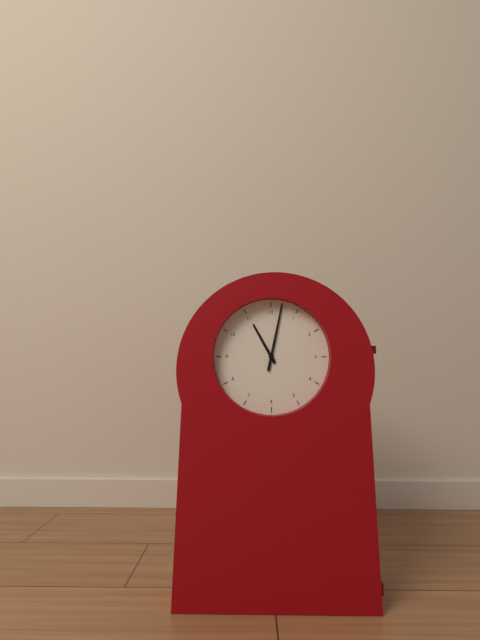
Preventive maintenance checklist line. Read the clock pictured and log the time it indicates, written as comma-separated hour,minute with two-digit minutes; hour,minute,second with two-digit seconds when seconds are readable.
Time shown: 11,02
